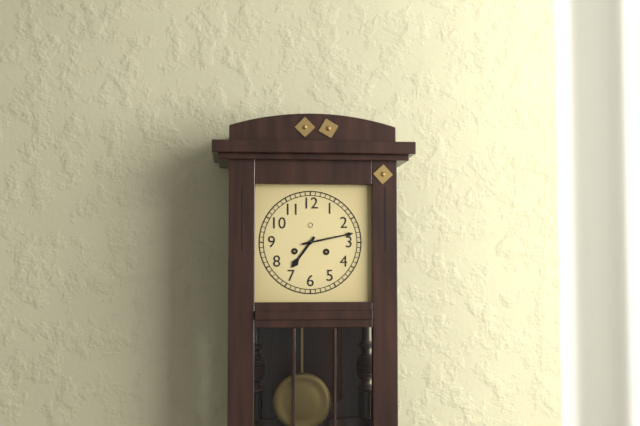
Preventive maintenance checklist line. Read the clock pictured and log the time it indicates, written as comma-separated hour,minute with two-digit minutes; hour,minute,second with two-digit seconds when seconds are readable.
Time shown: 7,13
